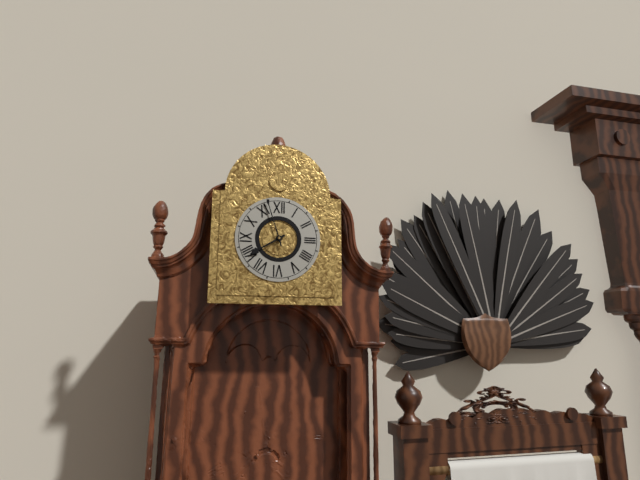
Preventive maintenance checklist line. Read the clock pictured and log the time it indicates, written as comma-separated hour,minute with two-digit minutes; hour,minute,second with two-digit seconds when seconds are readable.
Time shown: 7,57
